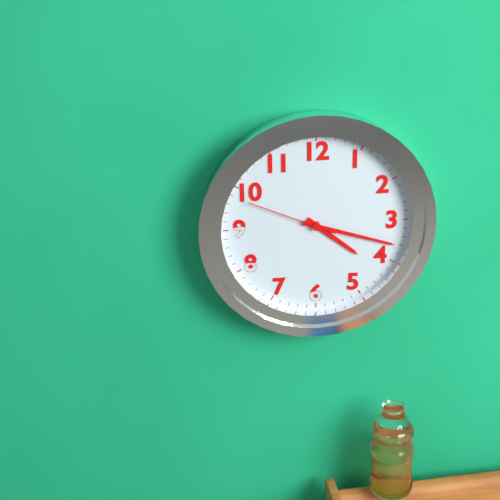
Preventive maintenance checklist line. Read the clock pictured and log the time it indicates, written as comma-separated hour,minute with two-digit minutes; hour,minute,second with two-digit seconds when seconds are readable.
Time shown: 4,18,49
